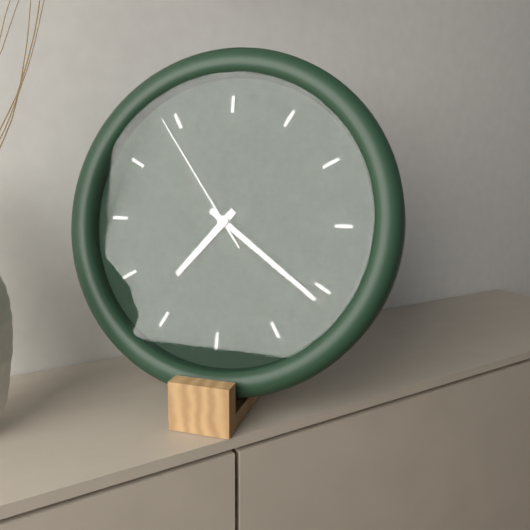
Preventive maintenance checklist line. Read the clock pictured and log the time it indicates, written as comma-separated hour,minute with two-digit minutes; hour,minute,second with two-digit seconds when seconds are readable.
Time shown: 7,21,54
